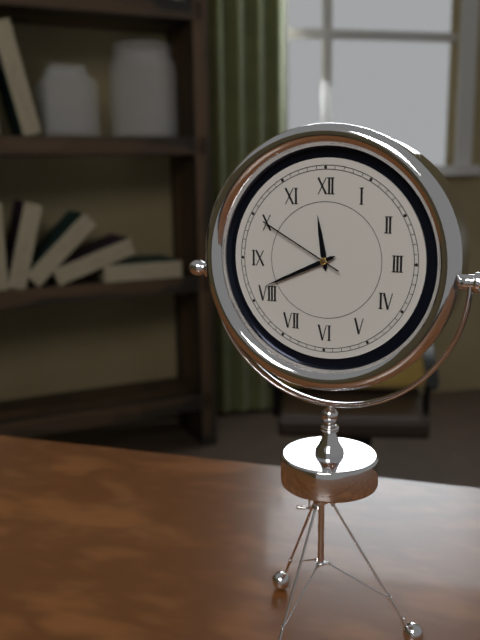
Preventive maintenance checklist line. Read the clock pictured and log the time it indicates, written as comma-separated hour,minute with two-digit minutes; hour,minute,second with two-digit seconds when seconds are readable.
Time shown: 11,41,50
